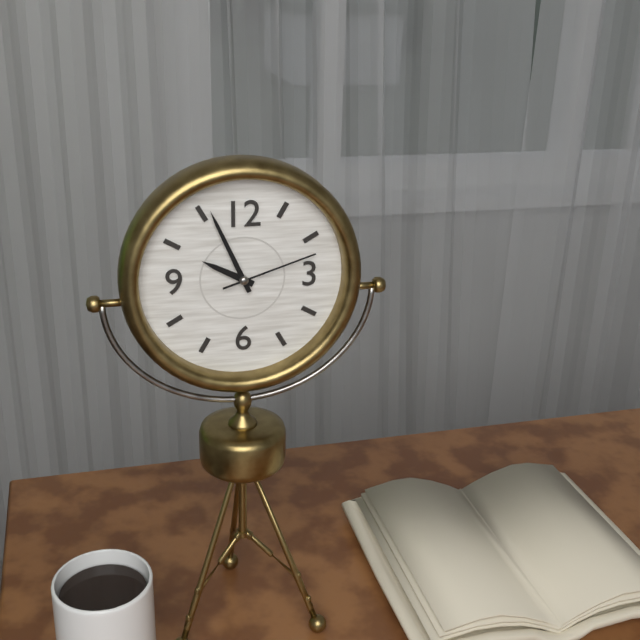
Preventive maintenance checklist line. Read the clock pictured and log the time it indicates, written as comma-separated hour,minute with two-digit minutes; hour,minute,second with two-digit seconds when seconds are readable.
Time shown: 9,56,12
